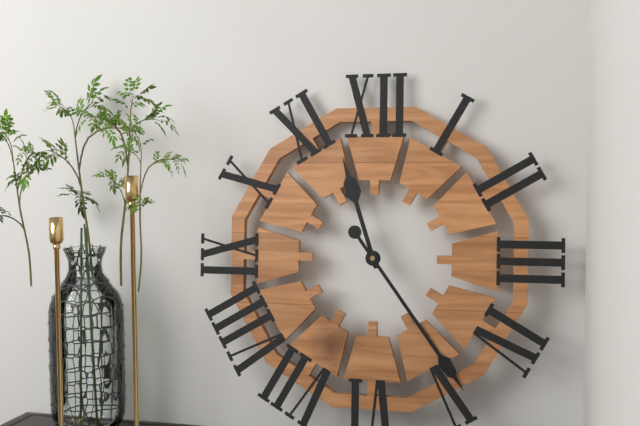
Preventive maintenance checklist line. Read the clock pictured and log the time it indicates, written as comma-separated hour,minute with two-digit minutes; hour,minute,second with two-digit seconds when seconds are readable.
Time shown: 11,24
